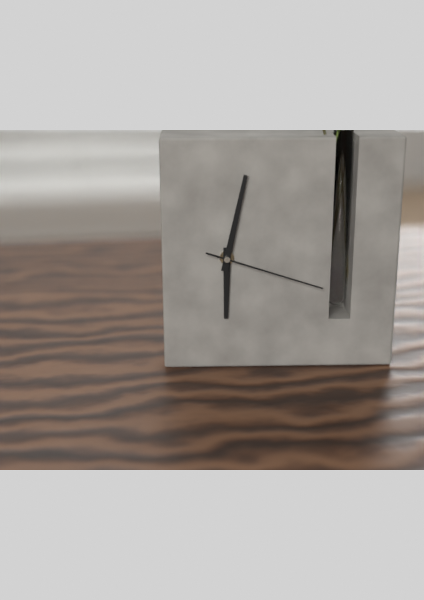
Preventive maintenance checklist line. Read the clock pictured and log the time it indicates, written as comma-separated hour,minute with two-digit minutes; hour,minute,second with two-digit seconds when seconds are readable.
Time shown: 6,02,18
